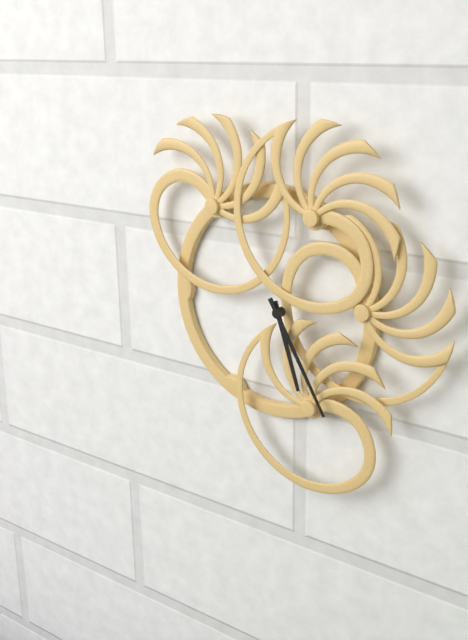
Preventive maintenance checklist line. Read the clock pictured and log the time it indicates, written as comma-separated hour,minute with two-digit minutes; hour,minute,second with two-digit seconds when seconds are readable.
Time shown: 5,25
